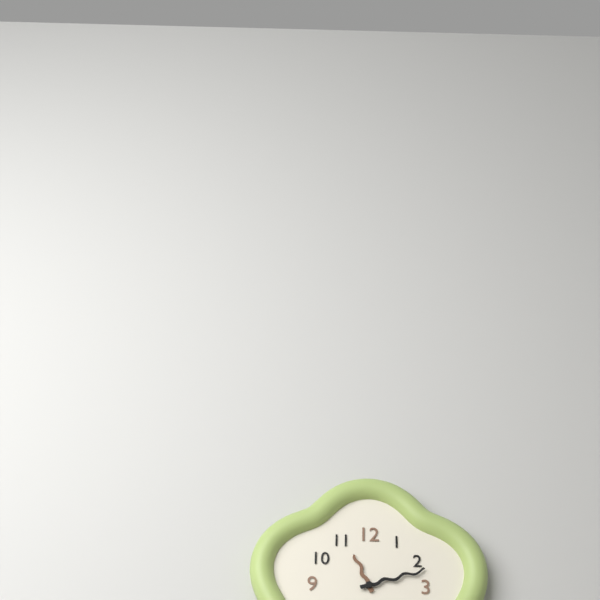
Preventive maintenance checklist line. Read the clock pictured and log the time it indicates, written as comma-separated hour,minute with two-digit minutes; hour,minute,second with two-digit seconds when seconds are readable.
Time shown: 11,12
